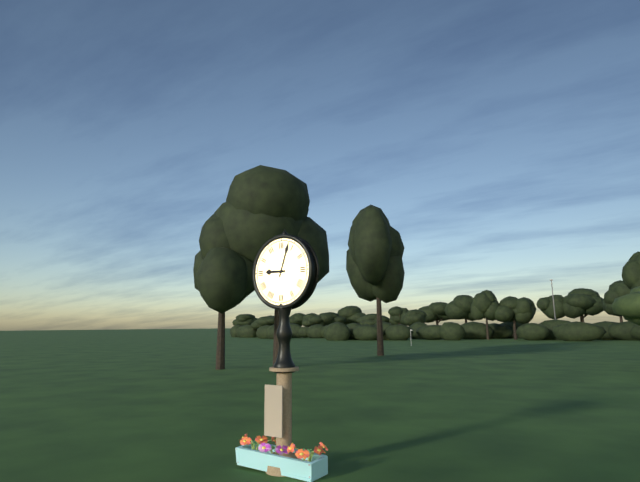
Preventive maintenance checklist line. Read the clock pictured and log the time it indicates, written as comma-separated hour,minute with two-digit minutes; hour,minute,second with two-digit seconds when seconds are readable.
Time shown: 9,03
